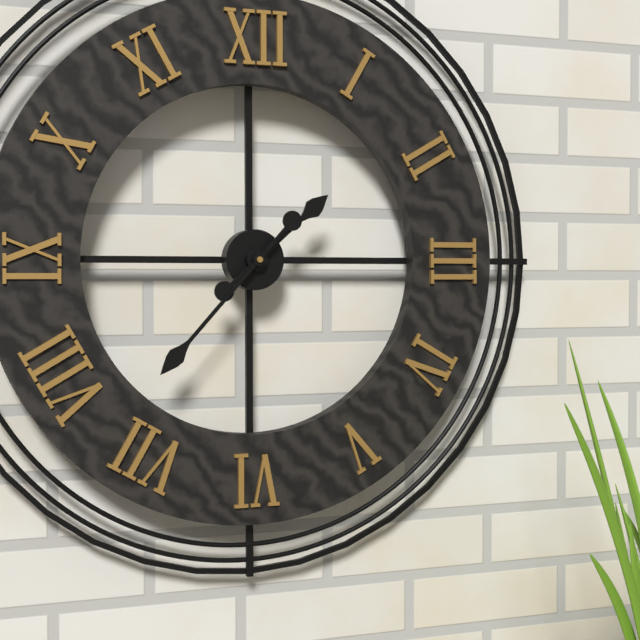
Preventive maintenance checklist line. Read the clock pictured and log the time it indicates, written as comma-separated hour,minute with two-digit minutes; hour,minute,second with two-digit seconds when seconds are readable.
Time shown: 1,37
